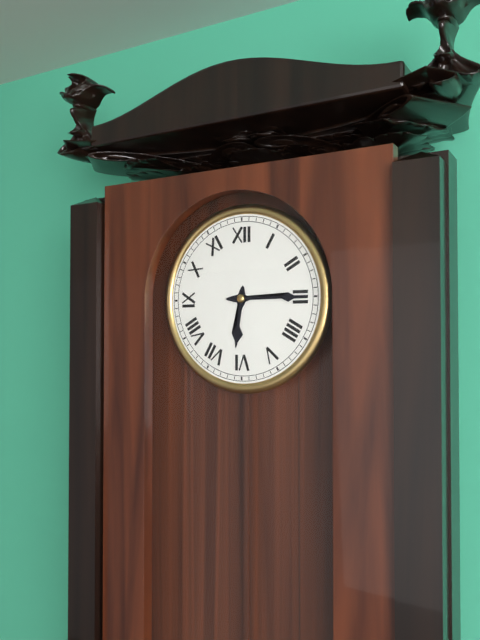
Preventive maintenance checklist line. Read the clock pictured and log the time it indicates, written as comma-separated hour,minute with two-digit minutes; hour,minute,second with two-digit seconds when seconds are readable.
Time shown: 6,15
